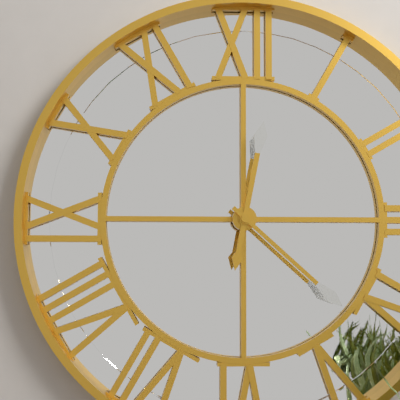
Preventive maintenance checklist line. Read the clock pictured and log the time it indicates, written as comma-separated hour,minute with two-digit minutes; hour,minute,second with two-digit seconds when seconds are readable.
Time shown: 12,22
